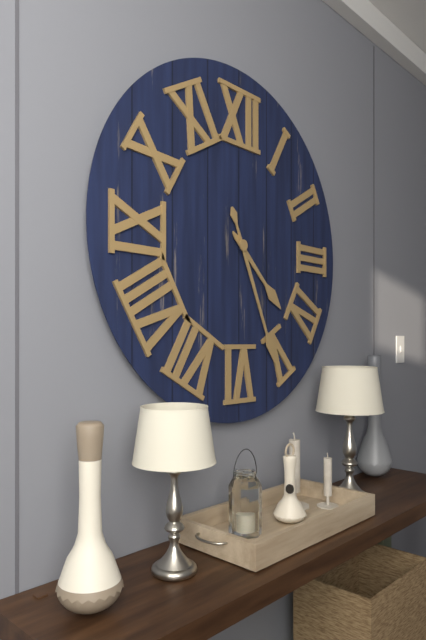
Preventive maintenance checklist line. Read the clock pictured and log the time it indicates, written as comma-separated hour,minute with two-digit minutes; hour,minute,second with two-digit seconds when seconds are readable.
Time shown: 4,26
